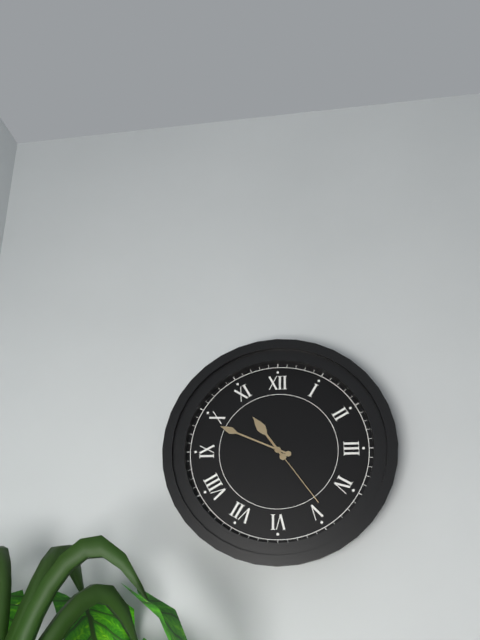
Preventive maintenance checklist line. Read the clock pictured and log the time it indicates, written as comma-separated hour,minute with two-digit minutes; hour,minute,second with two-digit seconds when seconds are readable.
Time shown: 10,49,24
